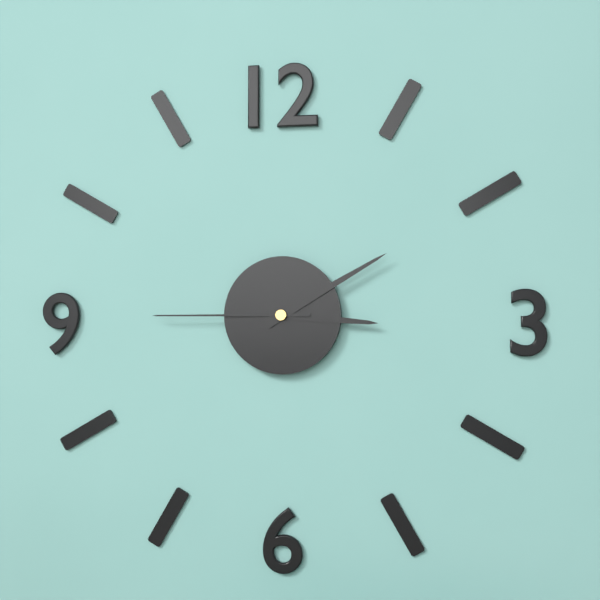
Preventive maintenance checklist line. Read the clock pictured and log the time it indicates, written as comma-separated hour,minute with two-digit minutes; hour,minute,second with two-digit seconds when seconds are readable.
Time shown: 3,10,45
